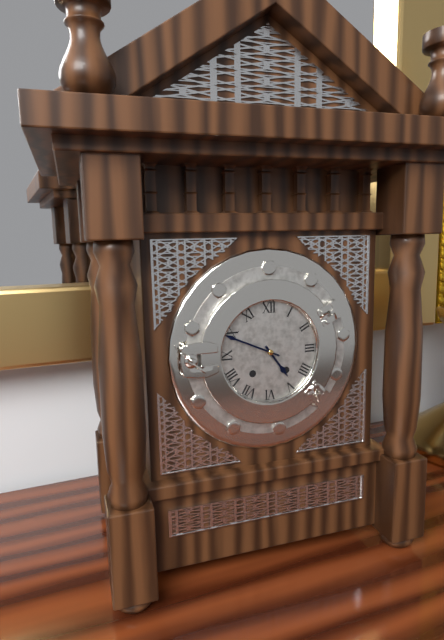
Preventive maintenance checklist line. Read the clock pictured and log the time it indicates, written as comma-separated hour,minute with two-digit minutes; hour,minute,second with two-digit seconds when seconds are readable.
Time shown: 4,49
